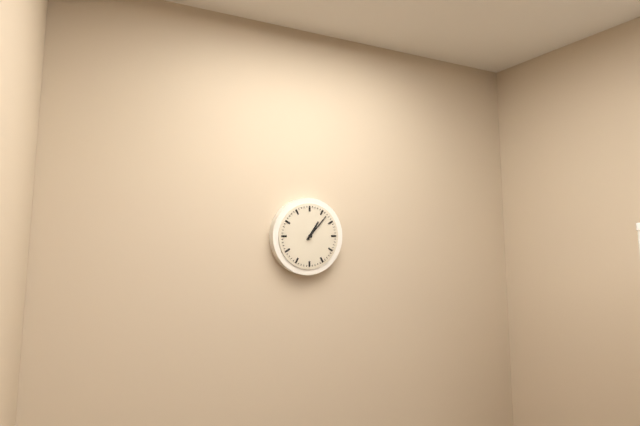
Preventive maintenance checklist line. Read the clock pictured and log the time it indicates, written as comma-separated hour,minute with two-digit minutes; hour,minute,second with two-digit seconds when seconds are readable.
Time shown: 1,07
